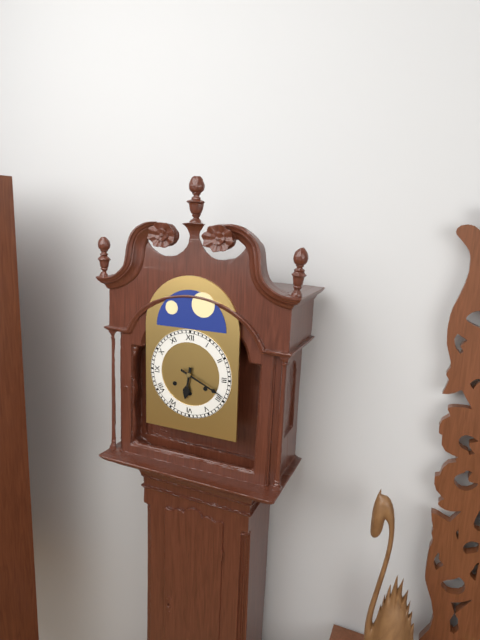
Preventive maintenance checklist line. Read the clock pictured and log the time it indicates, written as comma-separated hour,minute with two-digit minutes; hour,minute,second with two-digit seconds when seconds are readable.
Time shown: 6,19
